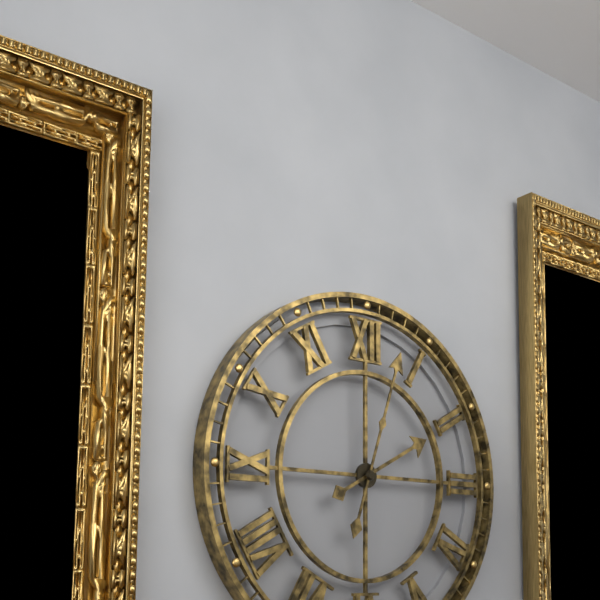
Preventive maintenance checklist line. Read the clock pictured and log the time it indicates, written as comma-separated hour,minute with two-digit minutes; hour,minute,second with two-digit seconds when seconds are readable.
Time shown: 2,03
